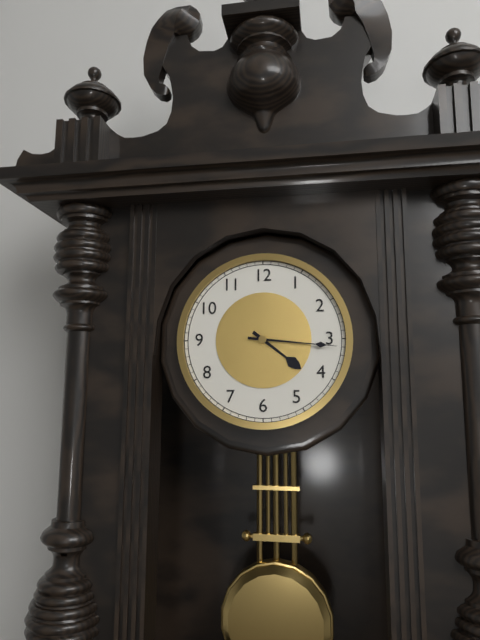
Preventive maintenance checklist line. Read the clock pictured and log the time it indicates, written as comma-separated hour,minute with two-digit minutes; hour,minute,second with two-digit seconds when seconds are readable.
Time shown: 4,16
